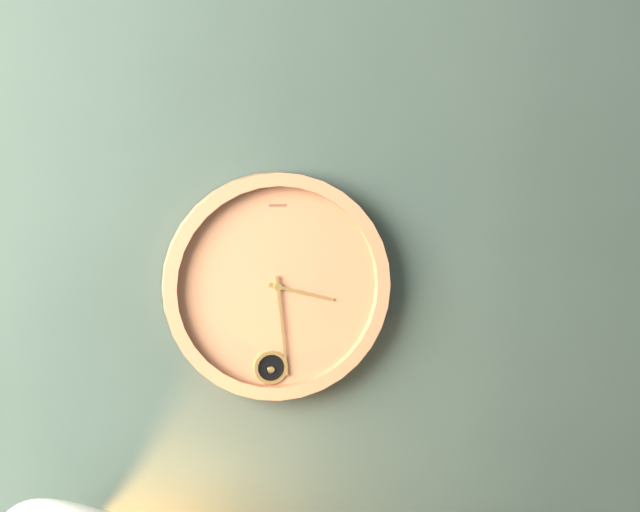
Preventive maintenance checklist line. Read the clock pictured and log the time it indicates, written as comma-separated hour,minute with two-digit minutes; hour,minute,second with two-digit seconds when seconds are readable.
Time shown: 3,29
